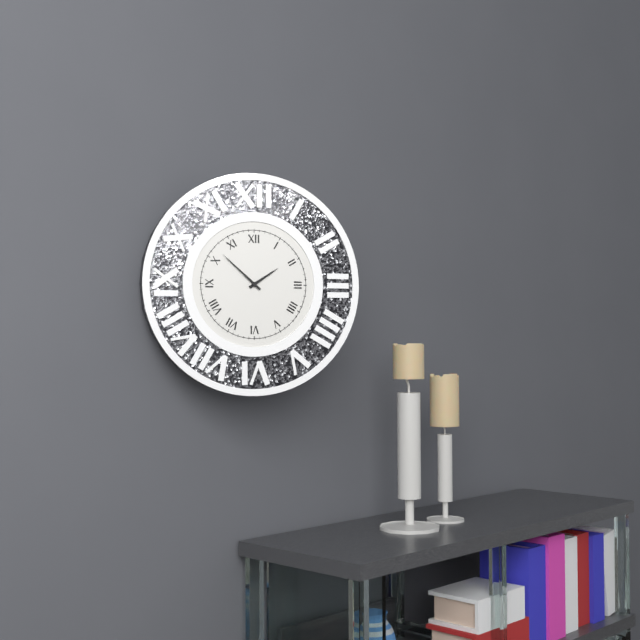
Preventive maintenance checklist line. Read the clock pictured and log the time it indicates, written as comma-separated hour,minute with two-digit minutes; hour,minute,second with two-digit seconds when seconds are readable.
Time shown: 1,52
